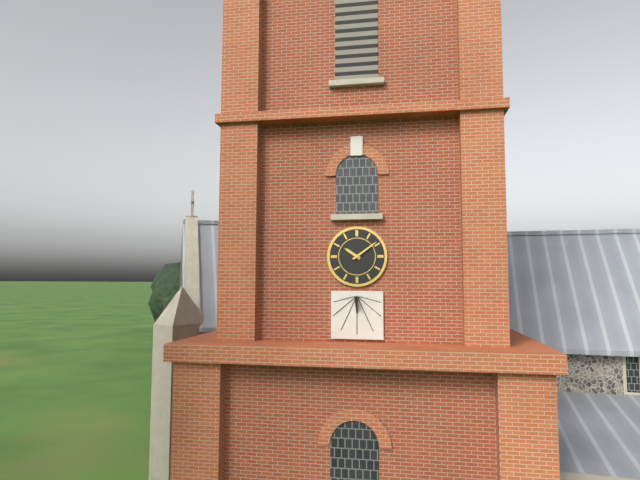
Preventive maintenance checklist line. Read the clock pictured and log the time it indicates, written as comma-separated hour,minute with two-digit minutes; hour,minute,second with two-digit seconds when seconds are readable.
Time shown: 10,09
